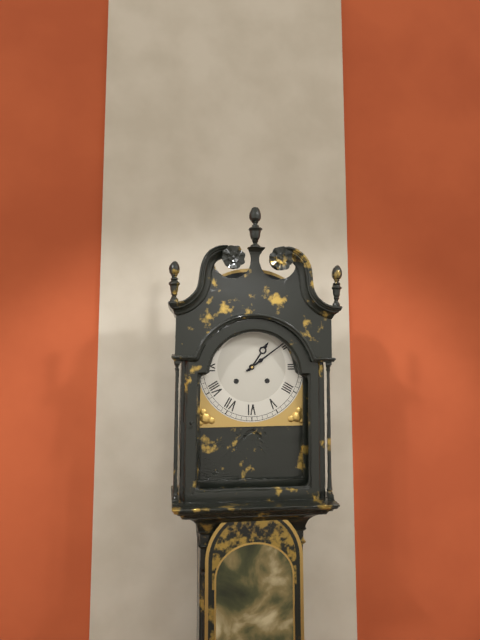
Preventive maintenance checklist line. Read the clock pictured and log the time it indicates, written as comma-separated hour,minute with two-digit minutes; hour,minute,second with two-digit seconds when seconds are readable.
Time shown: 1,09
